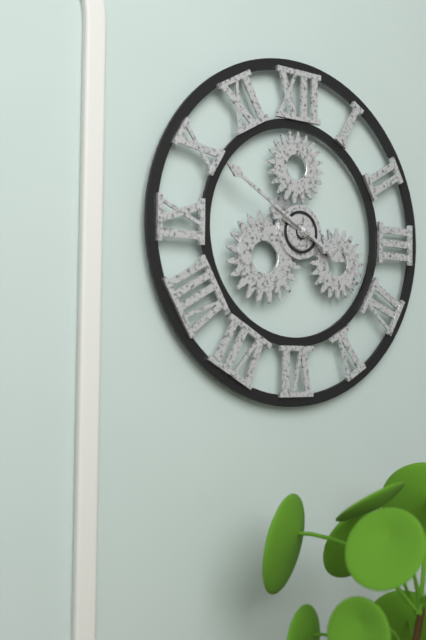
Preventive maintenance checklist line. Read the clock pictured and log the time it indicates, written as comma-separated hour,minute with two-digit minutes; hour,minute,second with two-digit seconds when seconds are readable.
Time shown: 3,50
